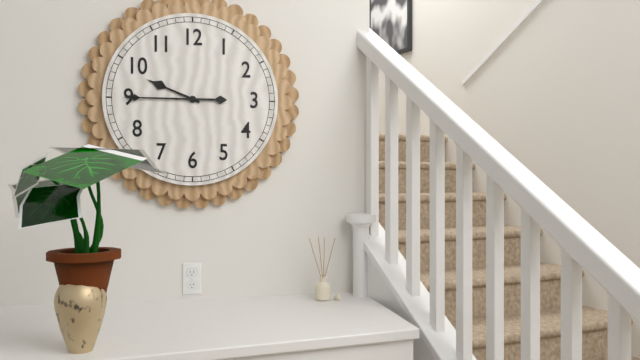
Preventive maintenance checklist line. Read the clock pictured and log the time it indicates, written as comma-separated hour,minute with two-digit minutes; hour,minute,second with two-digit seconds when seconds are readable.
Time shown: 9,45
